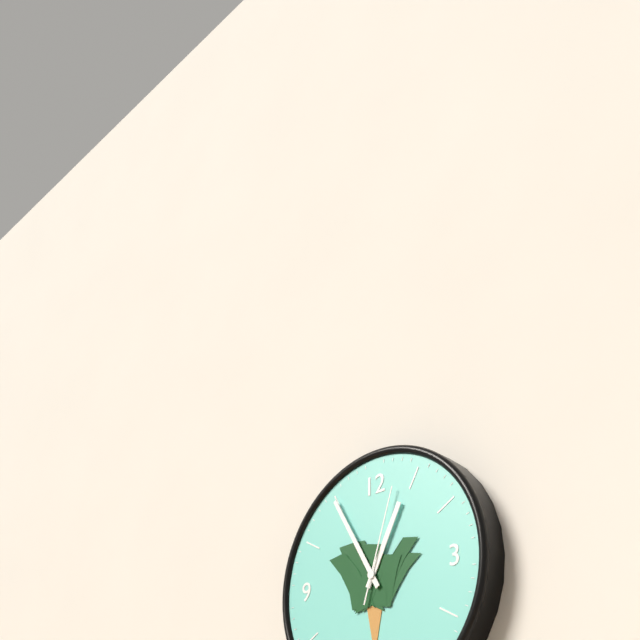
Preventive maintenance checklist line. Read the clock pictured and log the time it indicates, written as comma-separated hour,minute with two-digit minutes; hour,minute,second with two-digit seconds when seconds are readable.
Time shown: 12,55,03
